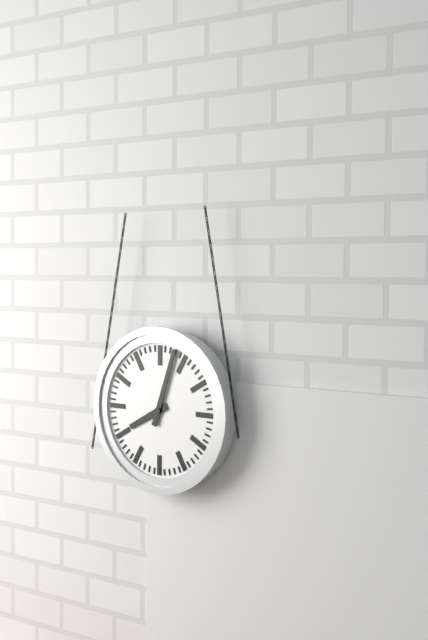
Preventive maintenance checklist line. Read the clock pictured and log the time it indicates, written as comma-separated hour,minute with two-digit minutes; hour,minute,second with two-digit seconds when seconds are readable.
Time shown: 8,03
